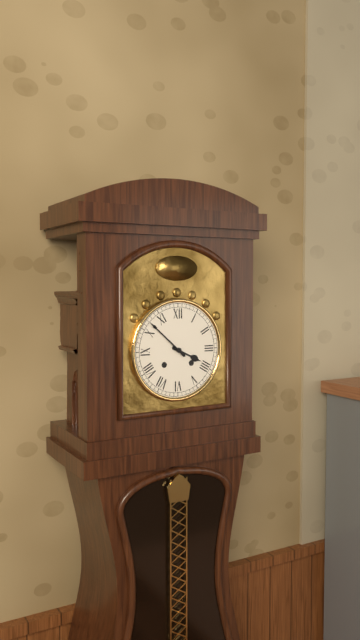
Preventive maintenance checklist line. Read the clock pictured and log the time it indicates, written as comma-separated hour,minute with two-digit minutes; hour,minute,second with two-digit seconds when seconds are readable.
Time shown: 3,52
